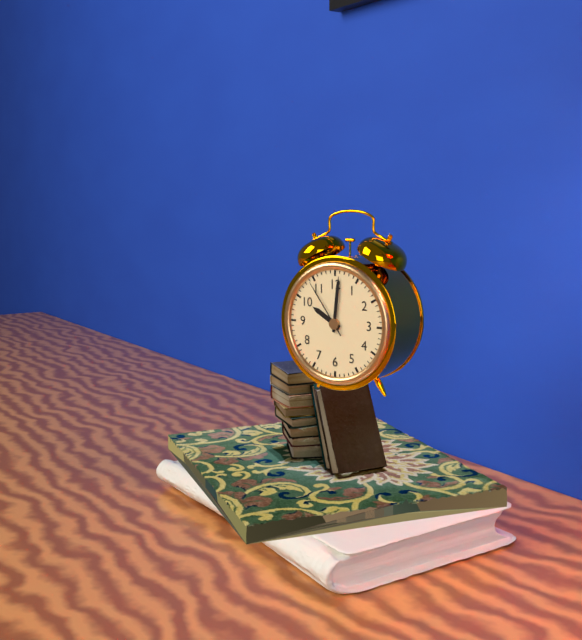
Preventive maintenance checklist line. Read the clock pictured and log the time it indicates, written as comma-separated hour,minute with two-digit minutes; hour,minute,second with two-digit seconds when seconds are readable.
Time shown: 10,01,54
